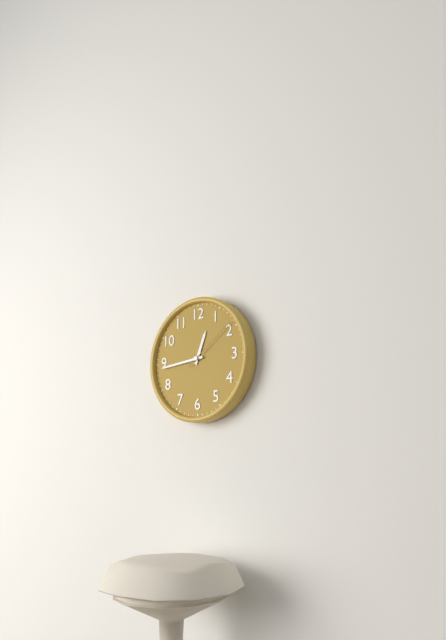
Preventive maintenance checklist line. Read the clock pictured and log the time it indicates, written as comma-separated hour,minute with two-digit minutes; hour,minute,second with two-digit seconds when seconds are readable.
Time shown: 12,44,09
